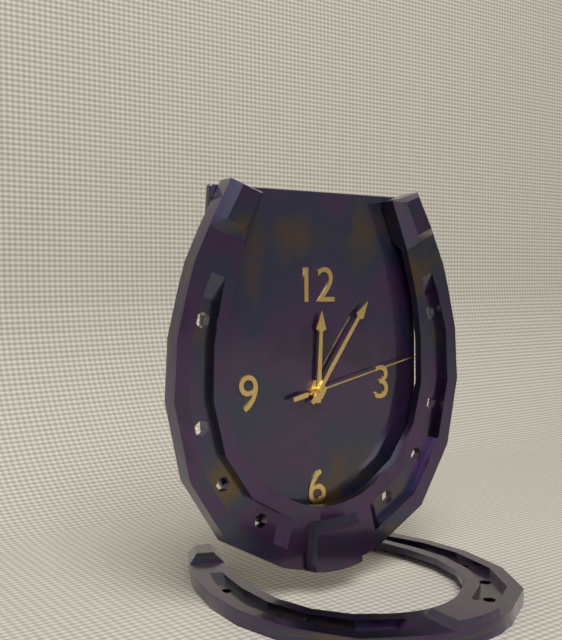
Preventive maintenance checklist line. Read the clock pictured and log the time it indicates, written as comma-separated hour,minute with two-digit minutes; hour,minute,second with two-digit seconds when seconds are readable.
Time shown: 12,06,13
